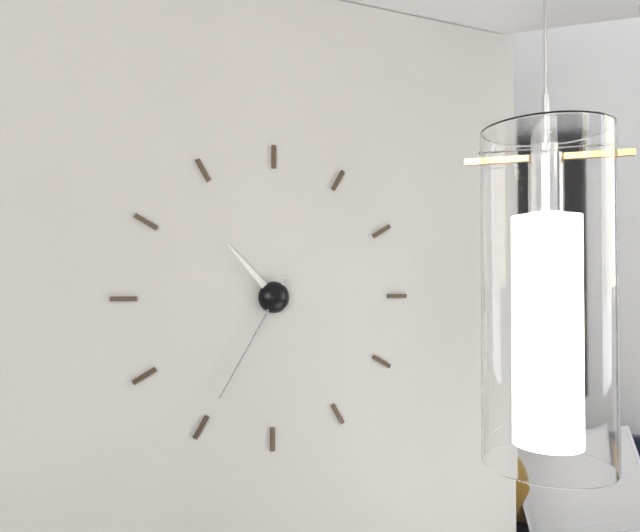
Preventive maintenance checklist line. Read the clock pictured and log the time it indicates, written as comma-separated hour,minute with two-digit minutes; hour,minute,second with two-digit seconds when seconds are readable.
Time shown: 10,35
